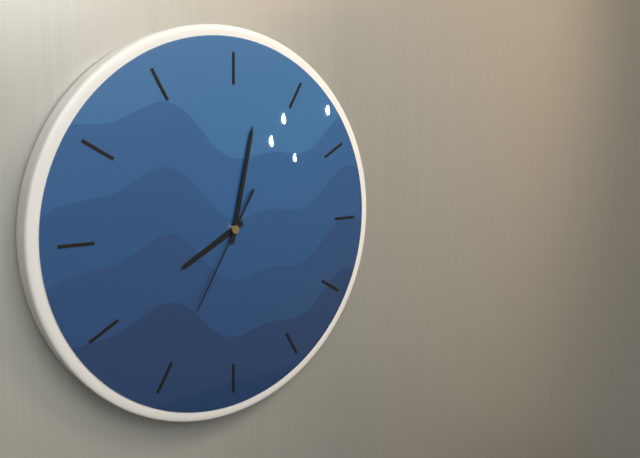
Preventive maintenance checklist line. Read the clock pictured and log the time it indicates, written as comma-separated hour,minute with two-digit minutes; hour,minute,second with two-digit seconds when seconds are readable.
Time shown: 8,02,35
